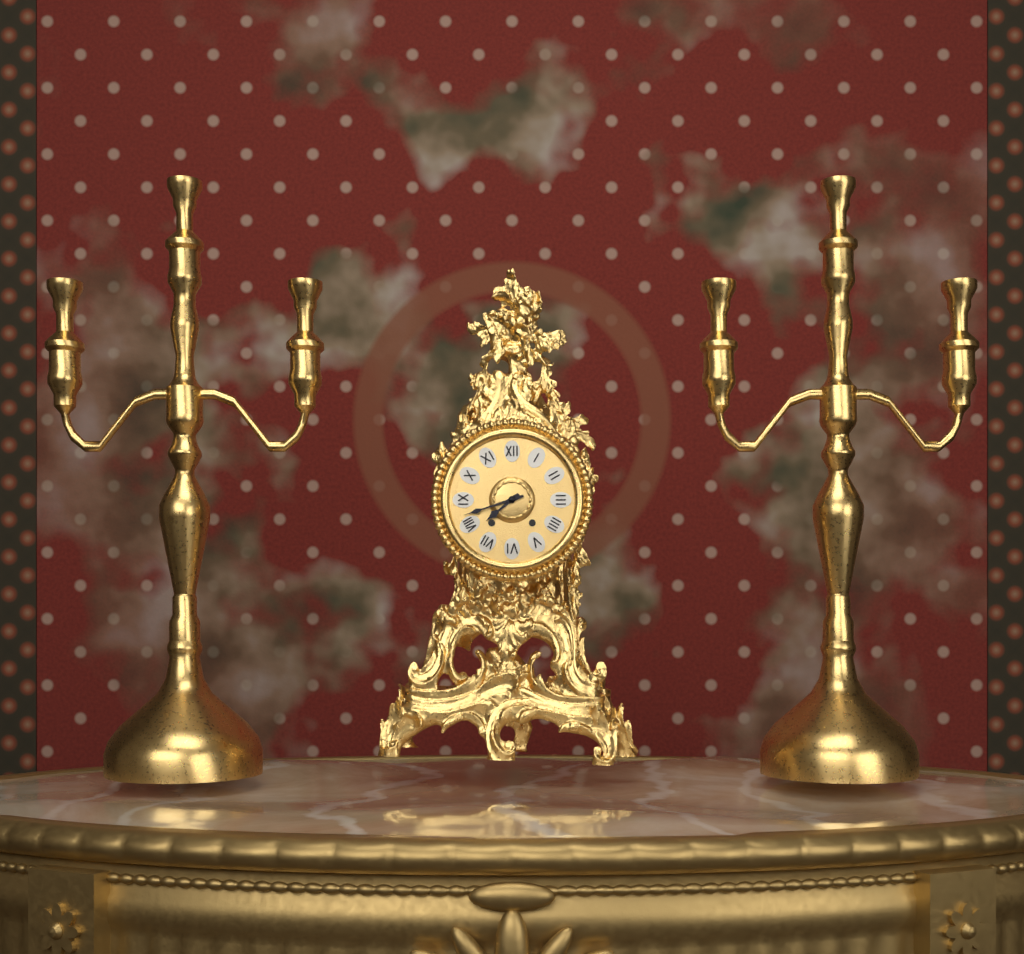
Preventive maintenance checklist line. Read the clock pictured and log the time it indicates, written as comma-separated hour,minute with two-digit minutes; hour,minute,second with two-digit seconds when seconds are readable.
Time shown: 7,42
